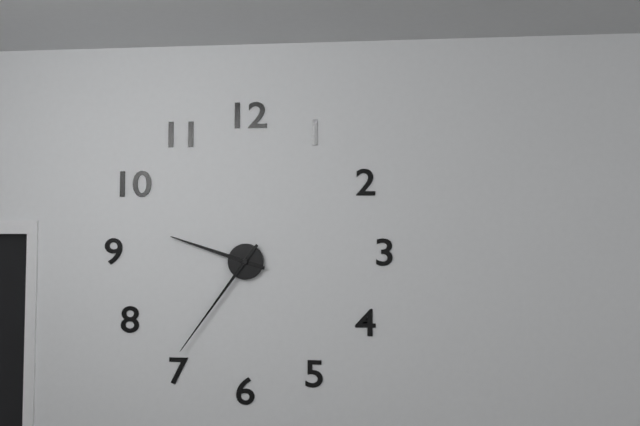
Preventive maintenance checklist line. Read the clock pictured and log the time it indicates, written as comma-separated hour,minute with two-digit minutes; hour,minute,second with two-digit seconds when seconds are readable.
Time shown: 9,36
